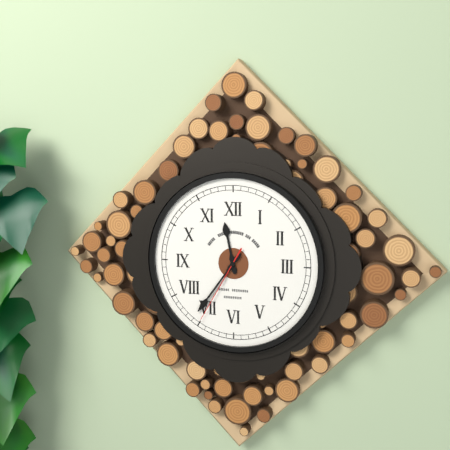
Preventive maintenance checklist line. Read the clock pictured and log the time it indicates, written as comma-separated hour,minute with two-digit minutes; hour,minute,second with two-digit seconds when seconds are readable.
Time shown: 11,36,35
